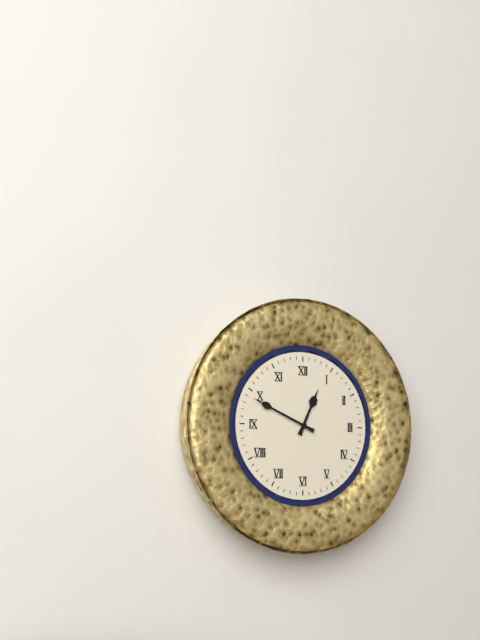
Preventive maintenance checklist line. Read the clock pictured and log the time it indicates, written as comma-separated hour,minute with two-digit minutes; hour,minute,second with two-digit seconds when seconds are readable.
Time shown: 12,49
